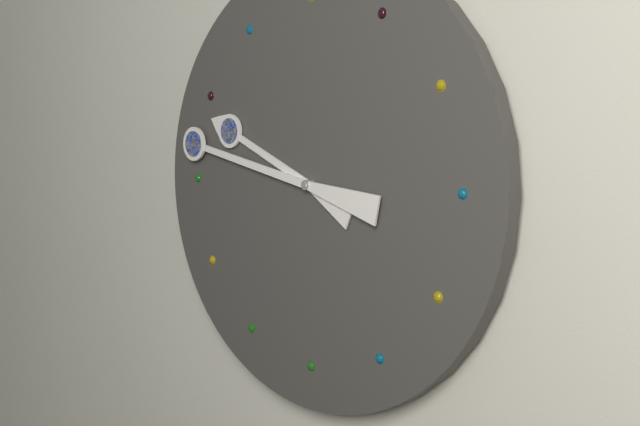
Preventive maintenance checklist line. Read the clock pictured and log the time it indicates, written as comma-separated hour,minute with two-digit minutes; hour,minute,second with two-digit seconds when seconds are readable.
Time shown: 9,47
